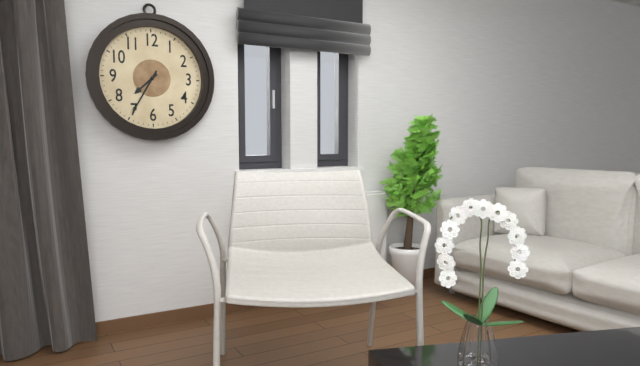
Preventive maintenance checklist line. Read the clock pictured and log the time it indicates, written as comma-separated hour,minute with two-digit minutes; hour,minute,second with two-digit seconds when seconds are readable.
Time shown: 7,35
